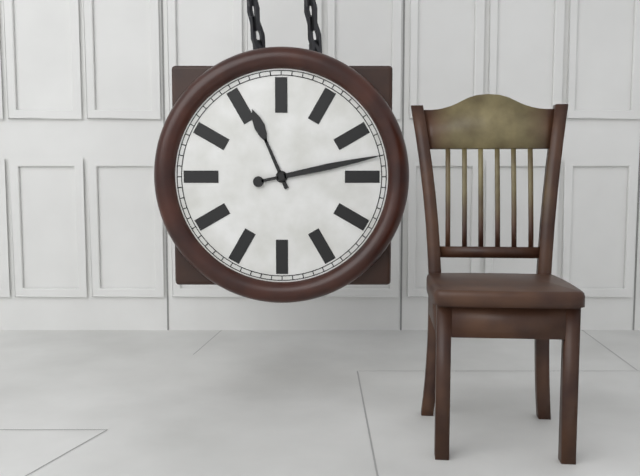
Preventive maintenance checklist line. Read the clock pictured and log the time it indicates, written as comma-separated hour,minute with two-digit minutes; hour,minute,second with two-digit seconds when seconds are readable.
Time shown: 11,13
